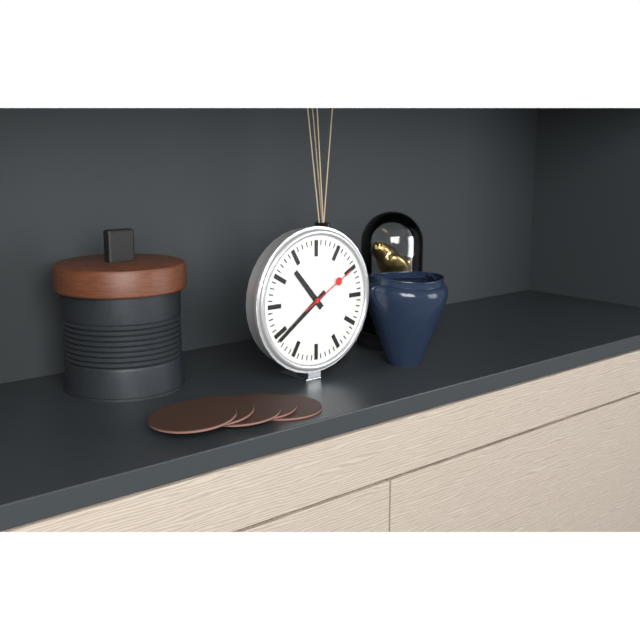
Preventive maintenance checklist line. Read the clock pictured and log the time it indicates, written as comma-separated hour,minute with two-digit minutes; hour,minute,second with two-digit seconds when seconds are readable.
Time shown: 10,39,10
